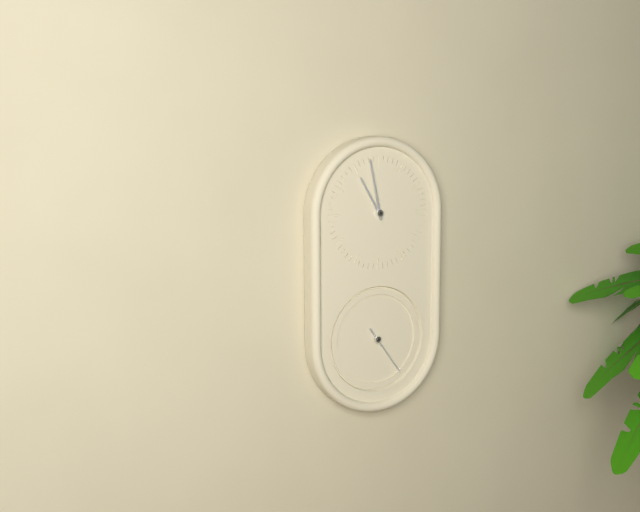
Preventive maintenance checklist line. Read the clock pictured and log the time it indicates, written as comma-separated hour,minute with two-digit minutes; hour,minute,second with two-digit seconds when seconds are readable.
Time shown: 10,58,24
